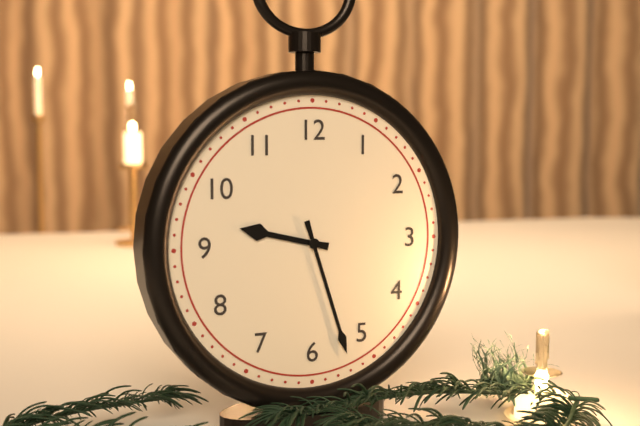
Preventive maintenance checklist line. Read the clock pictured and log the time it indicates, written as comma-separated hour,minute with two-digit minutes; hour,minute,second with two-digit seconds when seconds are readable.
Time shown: 9,27
